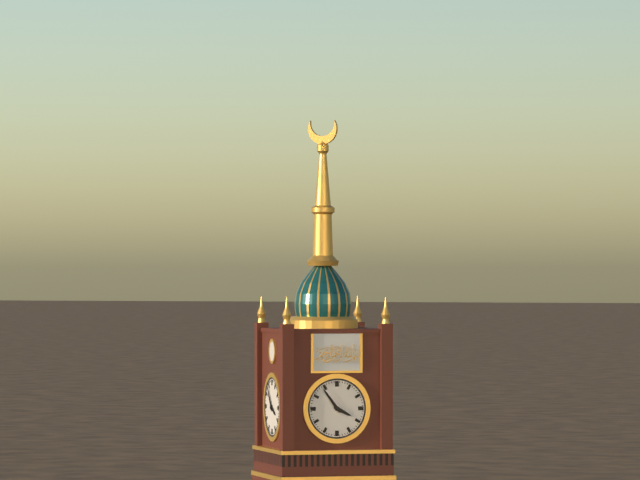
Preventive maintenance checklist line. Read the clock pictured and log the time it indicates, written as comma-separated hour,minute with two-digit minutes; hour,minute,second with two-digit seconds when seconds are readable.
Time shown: 3,54
